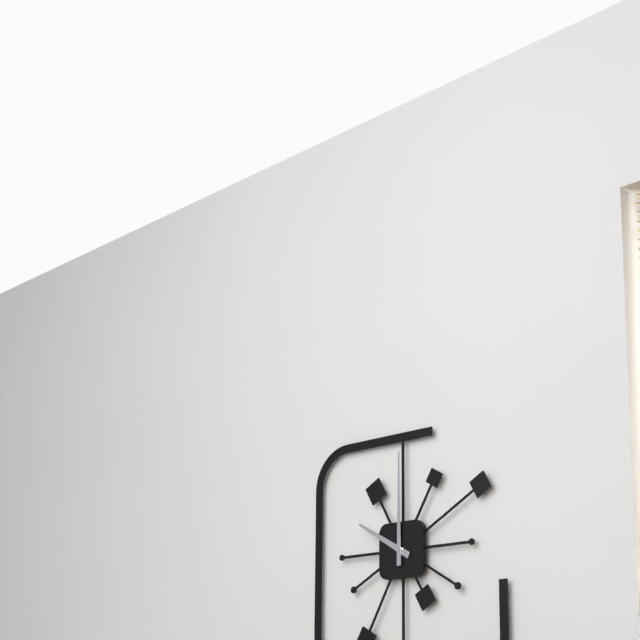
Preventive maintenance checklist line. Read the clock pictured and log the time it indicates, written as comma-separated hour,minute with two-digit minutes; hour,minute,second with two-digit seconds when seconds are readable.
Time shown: 10,00
